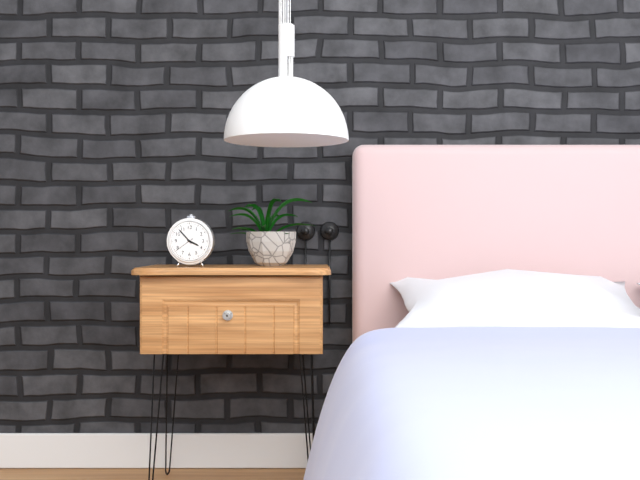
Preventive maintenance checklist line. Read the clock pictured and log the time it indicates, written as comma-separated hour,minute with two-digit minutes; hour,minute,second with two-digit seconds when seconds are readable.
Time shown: 3,53
